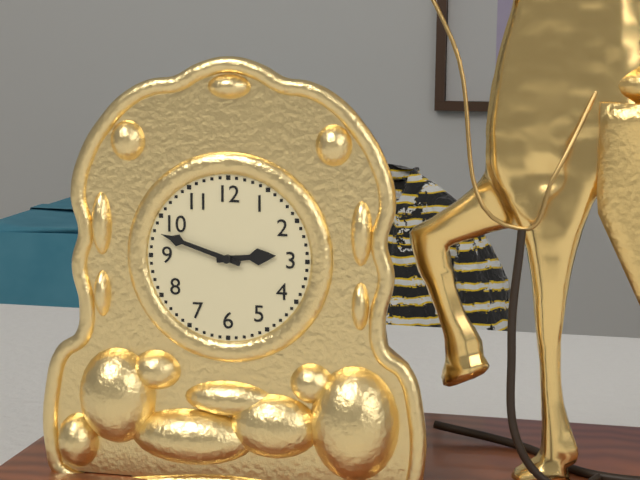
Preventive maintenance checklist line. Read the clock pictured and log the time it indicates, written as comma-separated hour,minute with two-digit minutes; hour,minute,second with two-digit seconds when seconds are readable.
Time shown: 2,48
